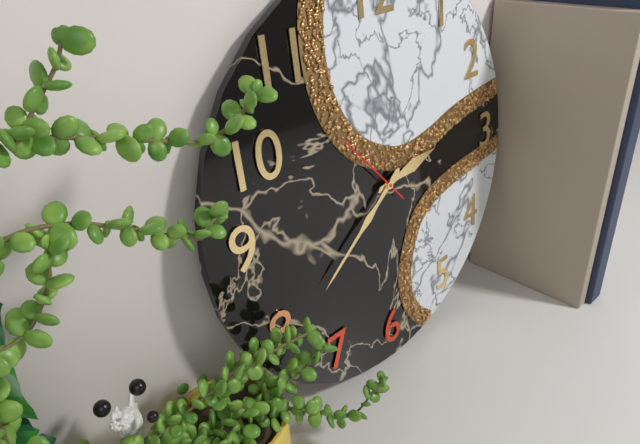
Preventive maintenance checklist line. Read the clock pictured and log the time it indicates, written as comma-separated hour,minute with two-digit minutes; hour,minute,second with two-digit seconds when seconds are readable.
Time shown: 2,39,53
